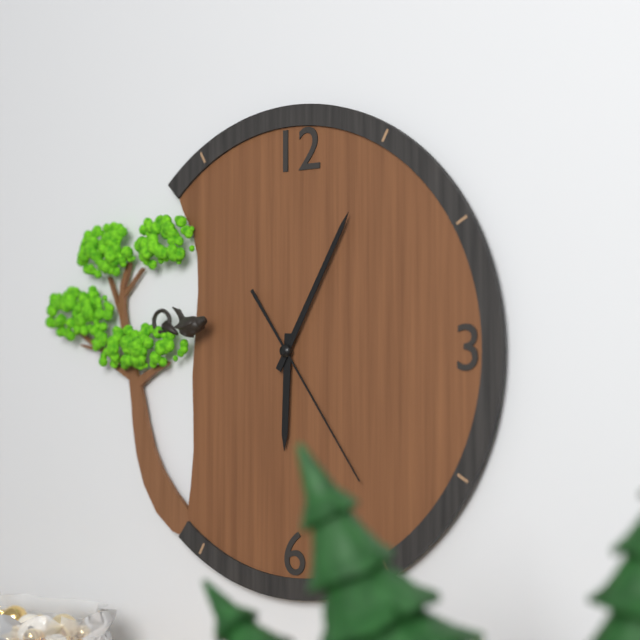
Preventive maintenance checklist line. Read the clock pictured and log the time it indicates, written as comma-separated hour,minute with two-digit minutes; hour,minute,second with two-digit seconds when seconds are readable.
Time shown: 6,05,24
